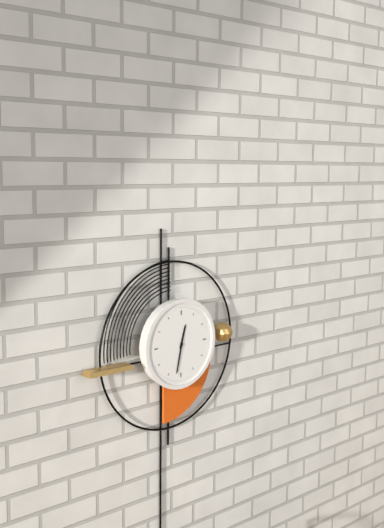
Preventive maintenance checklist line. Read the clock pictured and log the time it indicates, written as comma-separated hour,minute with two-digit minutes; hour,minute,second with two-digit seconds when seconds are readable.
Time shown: 12,32
